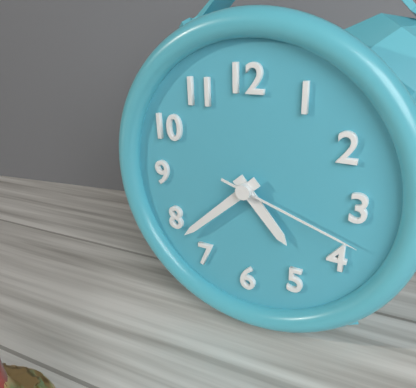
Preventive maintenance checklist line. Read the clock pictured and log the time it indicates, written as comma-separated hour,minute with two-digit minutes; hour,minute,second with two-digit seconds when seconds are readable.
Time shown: 4,38,18
